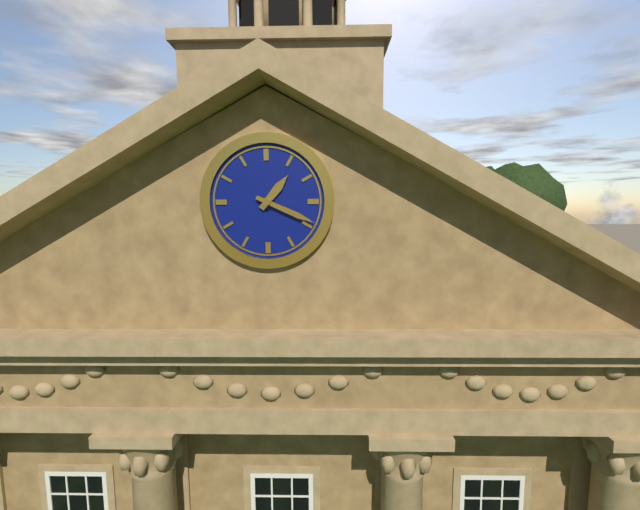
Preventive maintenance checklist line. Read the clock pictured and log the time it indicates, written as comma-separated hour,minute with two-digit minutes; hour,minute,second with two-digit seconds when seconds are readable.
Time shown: 1,19
